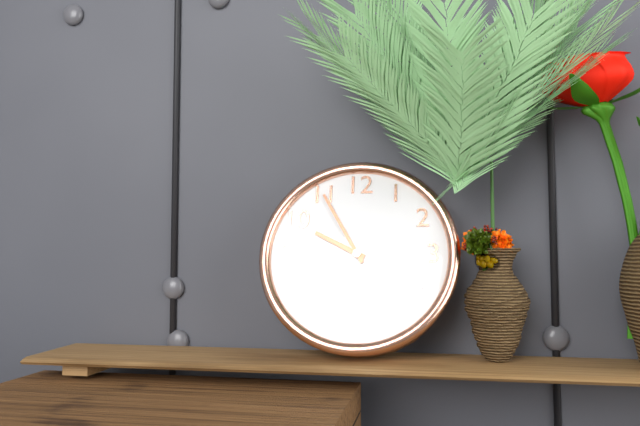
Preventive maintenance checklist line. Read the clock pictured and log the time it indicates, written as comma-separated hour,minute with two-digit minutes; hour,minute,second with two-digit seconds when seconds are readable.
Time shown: 9,55
